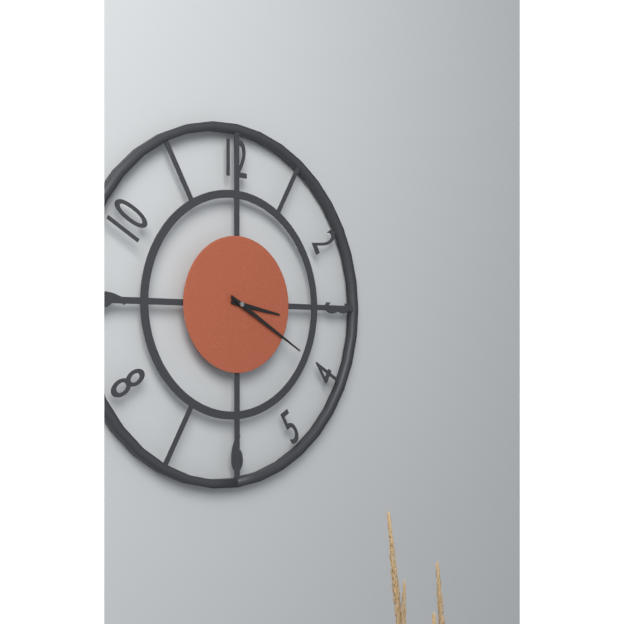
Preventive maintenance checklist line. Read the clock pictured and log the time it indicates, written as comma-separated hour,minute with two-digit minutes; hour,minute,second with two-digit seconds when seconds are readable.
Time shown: 3,20
